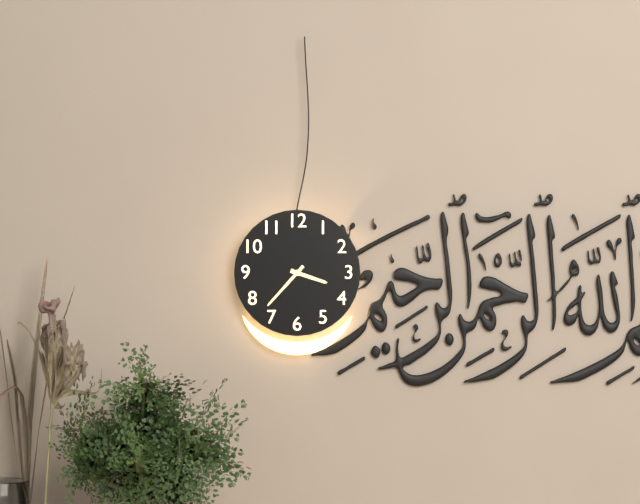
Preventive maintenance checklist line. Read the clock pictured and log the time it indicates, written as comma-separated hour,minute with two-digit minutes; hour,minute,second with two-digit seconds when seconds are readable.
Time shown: 3,37
